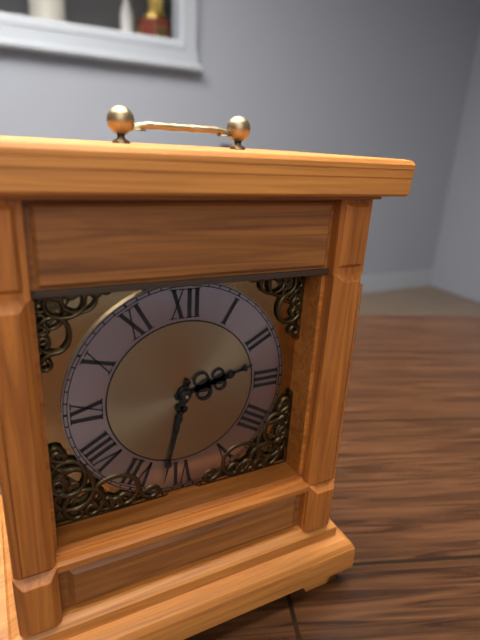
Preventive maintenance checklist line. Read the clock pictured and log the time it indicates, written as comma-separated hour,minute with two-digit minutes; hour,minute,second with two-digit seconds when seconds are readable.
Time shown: 2,32
